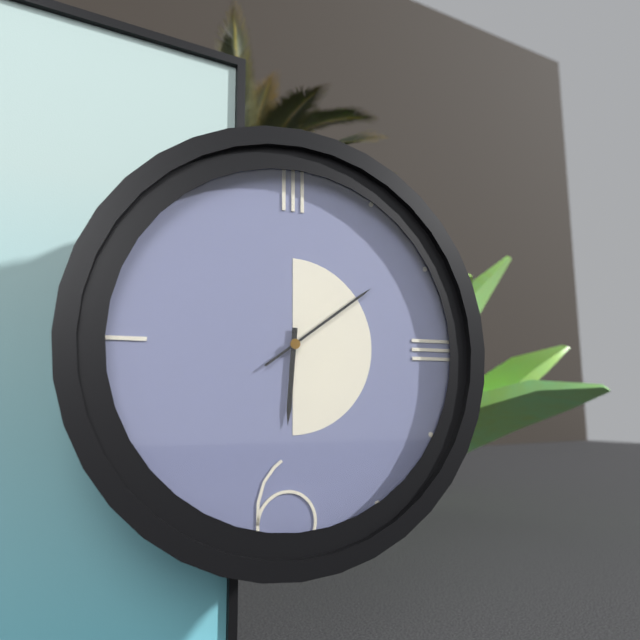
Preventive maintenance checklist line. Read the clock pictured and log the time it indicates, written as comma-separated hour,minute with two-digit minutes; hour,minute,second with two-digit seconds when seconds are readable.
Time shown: 6,09
